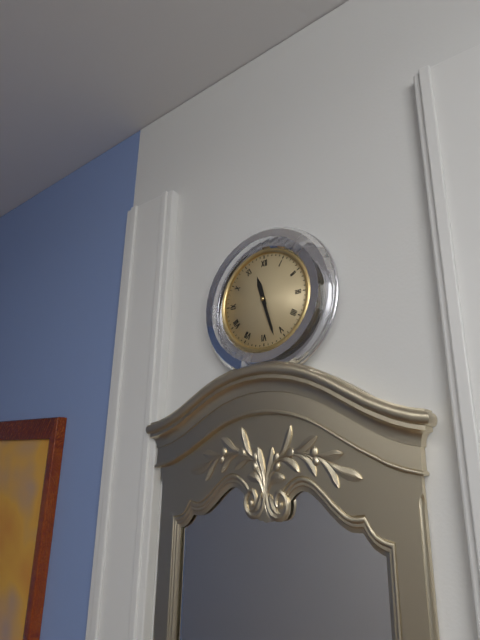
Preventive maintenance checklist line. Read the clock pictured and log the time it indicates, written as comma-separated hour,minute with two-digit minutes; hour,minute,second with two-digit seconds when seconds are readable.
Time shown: 11,27
